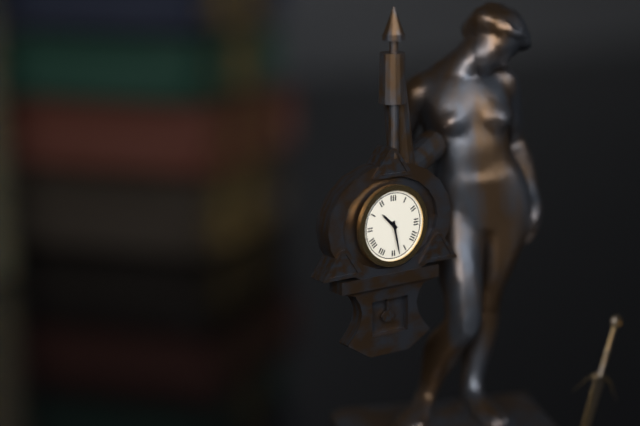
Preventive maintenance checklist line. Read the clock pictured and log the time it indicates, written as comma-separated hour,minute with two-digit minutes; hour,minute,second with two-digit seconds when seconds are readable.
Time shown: 10,28
